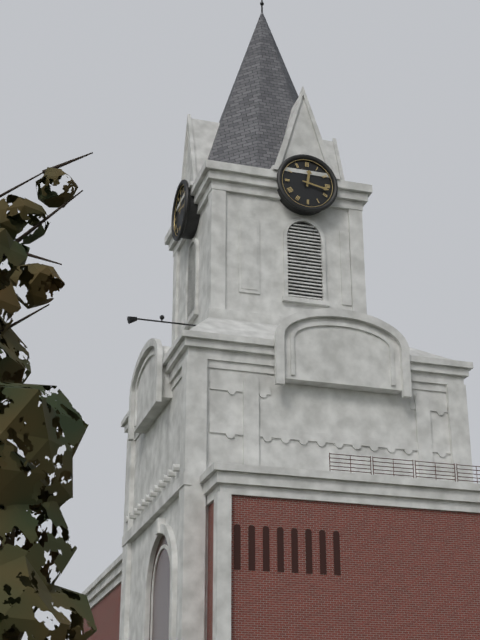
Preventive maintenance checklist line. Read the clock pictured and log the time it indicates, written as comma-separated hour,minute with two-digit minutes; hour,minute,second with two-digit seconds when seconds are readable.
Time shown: 12,17
